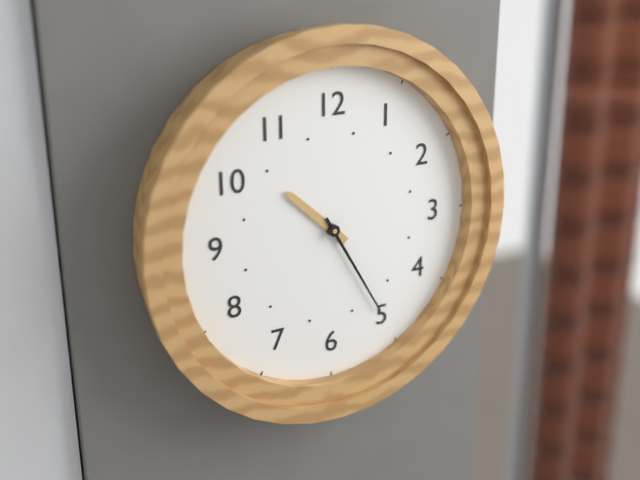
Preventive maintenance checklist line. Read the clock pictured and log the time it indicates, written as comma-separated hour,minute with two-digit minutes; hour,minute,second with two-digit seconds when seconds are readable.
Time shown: 10,25
